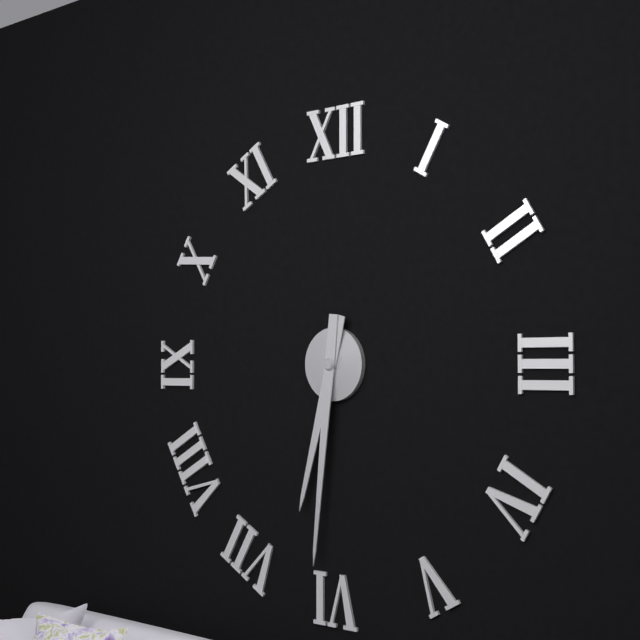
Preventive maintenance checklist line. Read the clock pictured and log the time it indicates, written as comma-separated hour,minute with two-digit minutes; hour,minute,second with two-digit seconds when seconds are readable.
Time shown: 6,31
